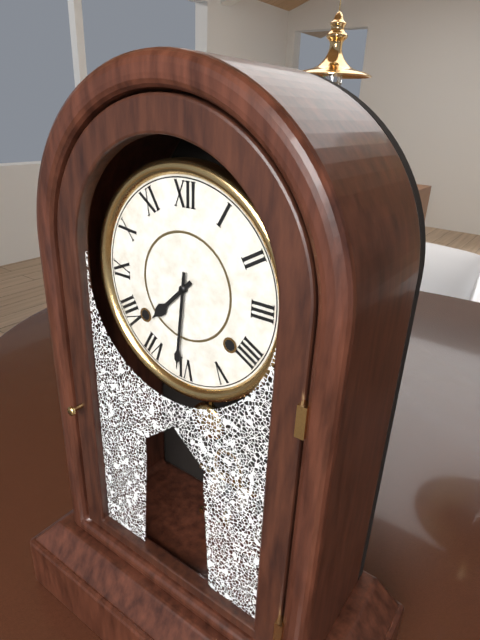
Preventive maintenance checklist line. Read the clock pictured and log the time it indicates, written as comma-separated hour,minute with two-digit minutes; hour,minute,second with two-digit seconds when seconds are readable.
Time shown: 7,31
